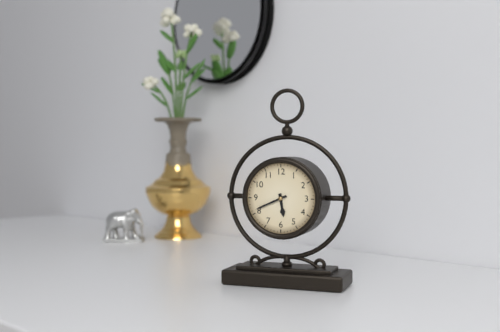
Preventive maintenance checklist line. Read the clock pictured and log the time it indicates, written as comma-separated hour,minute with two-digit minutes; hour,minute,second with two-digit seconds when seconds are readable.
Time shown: 5,41
